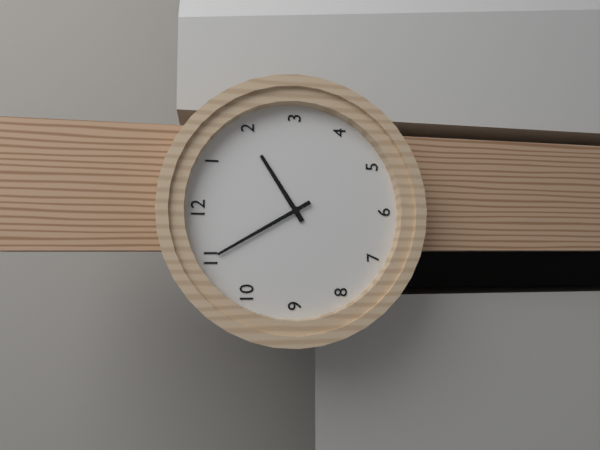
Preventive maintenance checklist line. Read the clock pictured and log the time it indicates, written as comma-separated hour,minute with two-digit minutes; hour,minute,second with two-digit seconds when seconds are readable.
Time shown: 1,55
